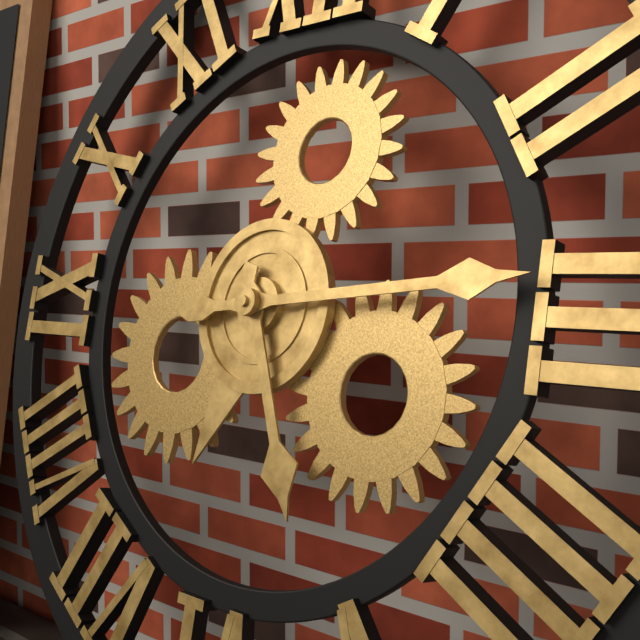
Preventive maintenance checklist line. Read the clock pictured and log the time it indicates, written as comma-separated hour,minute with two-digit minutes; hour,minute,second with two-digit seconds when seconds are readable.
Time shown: 5,14
